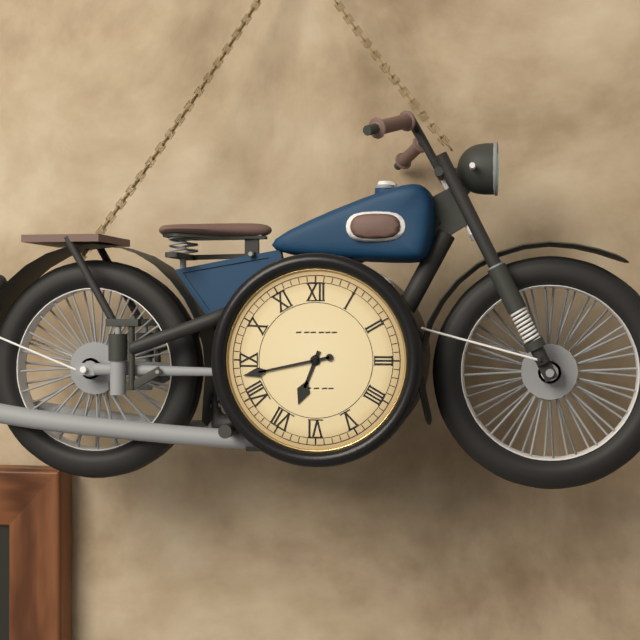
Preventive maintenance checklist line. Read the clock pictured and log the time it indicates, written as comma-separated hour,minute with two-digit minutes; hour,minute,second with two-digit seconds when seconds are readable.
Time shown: 6,43
